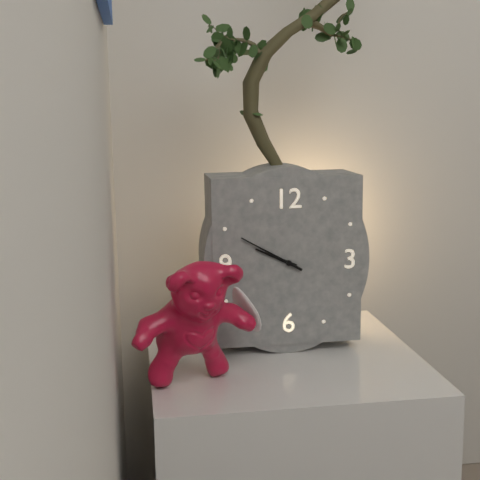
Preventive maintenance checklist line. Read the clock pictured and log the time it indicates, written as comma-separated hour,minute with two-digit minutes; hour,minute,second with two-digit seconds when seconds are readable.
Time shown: 9,50
